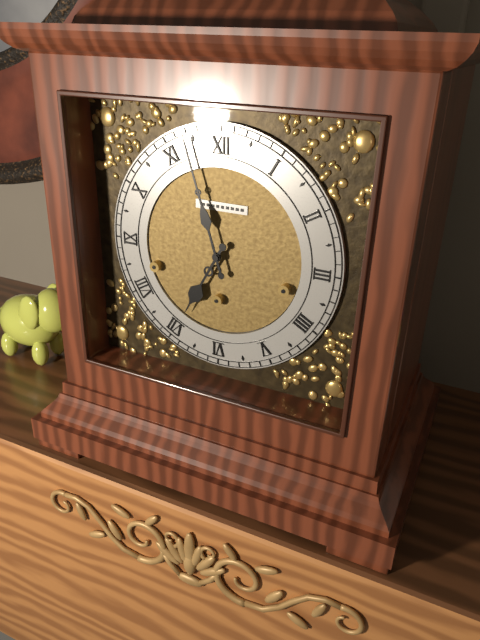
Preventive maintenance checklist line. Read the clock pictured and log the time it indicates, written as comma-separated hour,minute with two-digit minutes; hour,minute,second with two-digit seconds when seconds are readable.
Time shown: 6,57
